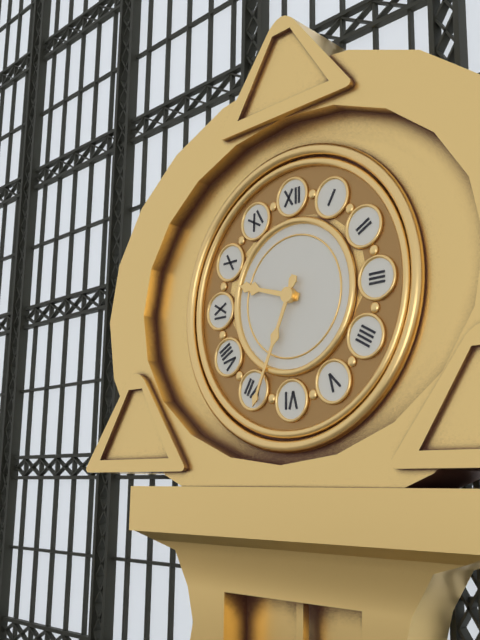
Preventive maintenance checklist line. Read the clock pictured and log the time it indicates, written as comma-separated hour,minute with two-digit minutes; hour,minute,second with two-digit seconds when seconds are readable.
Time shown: 9,34
